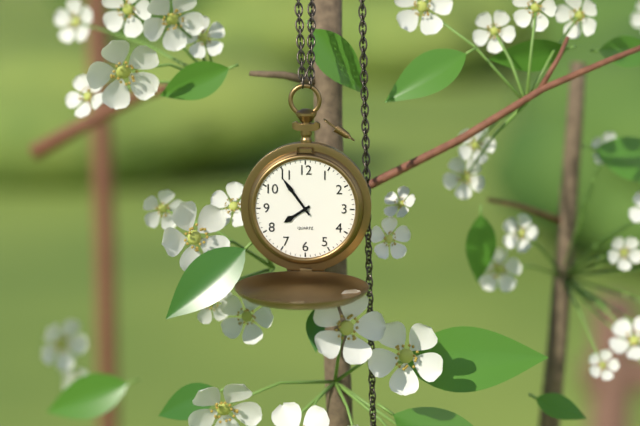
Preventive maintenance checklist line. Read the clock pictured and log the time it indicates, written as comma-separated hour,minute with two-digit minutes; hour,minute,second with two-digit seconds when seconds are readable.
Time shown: 7,54
